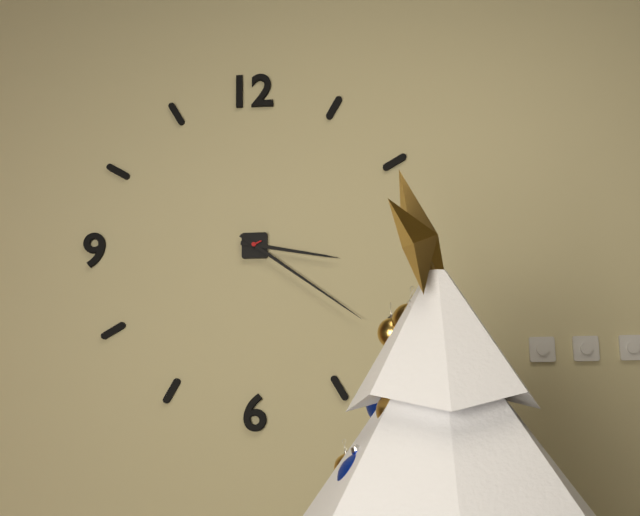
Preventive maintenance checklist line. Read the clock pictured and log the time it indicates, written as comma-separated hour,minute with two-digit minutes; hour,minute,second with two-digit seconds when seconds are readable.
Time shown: 3,21
